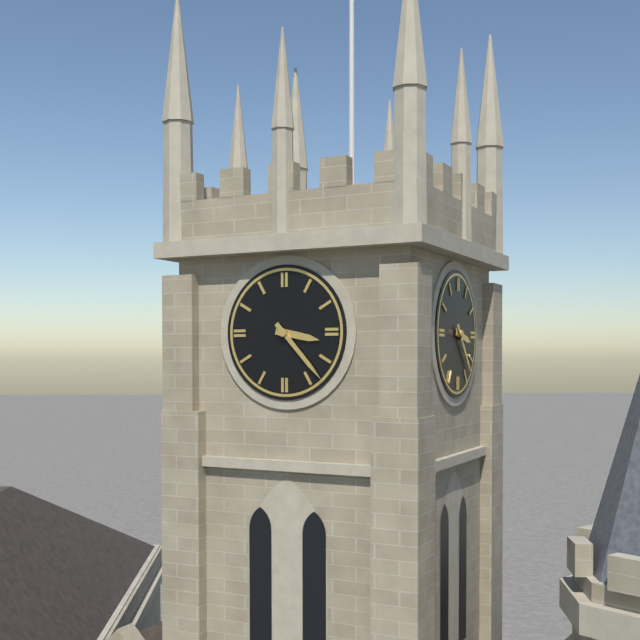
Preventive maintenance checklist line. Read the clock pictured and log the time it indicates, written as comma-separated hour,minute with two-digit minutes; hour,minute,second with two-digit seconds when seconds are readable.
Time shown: 3,23
